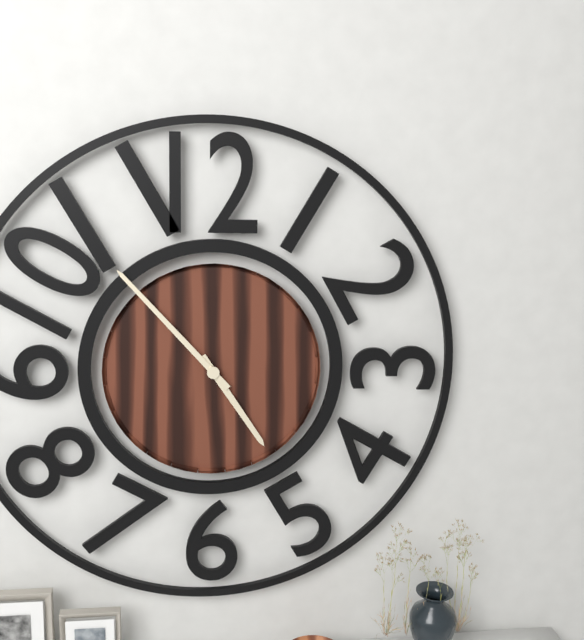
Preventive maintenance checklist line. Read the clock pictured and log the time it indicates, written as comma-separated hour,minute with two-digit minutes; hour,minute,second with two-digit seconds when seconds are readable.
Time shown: 4,53
